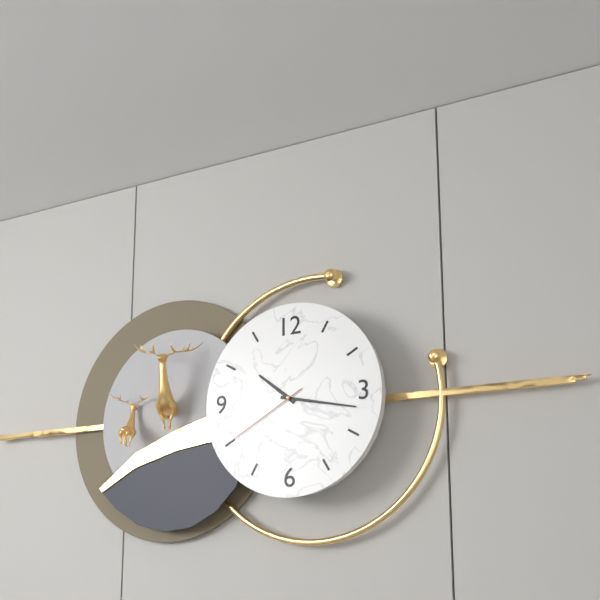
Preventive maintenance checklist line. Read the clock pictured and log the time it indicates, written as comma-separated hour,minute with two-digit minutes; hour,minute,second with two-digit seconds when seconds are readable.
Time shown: 10,17,40
